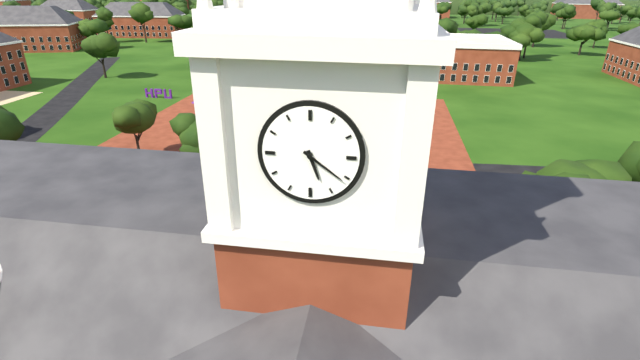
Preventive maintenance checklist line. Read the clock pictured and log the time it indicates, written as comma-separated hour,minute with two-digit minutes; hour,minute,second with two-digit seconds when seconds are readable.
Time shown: 5,21
